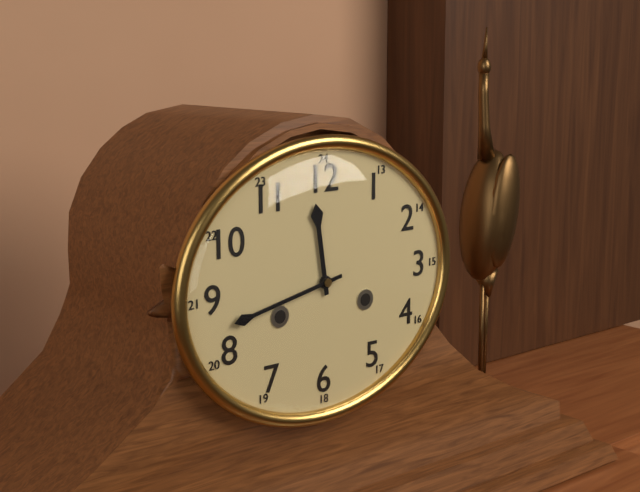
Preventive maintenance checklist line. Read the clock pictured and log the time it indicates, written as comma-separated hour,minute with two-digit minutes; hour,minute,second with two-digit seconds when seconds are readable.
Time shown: 11,43
